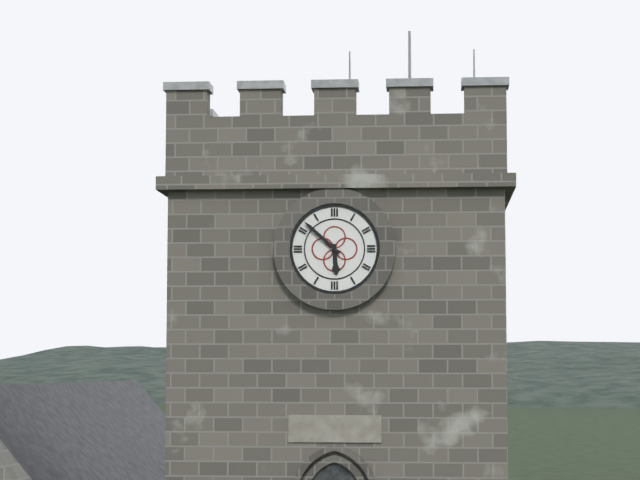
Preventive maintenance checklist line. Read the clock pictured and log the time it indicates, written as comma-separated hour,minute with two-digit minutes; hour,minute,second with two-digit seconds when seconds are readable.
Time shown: 5,52
